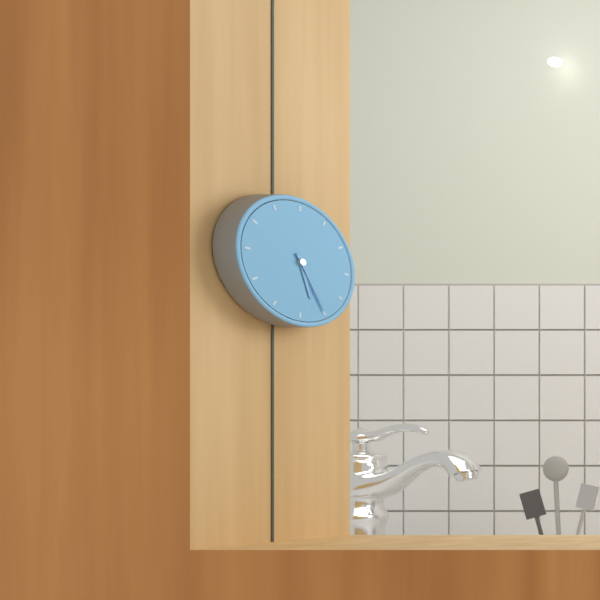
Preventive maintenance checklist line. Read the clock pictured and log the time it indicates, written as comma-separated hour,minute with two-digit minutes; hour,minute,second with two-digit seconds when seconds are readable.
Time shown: 5,25
